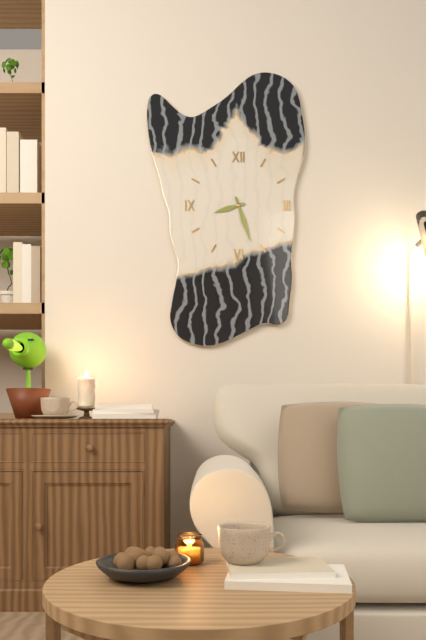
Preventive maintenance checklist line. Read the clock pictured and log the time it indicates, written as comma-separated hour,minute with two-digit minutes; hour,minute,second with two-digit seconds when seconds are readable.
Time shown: 8,27
